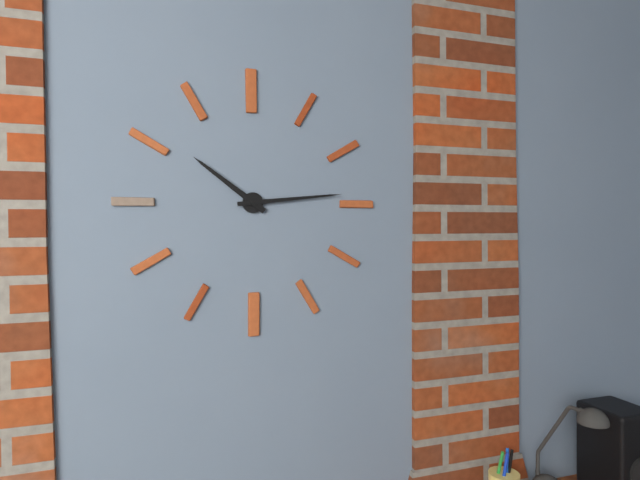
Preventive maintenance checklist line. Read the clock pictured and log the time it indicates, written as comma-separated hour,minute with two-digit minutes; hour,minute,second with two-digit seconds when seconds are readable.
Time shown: 10,14
